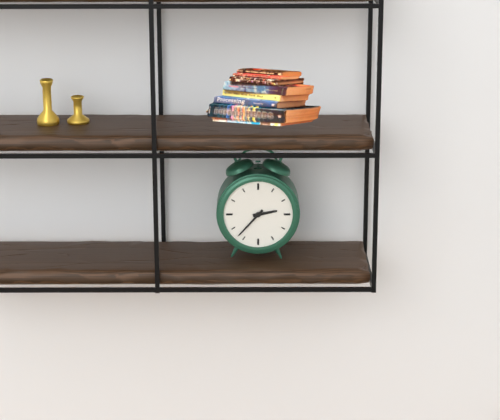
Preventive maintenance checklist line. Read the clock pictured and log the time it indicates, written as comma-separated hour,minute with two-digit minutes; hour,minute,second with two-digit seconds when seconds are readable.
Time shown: 2,37
